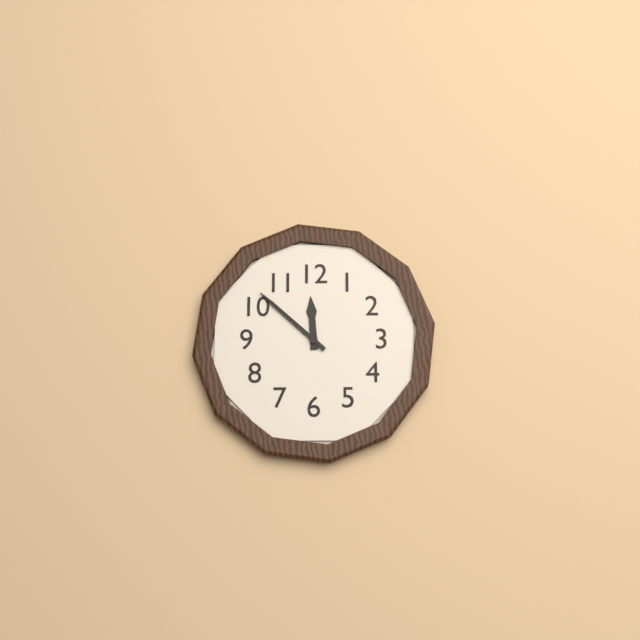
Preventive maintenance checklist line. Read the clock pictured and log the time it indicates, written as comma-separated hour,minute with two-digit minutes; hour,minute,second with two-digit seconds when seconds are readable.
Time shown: 11,52
